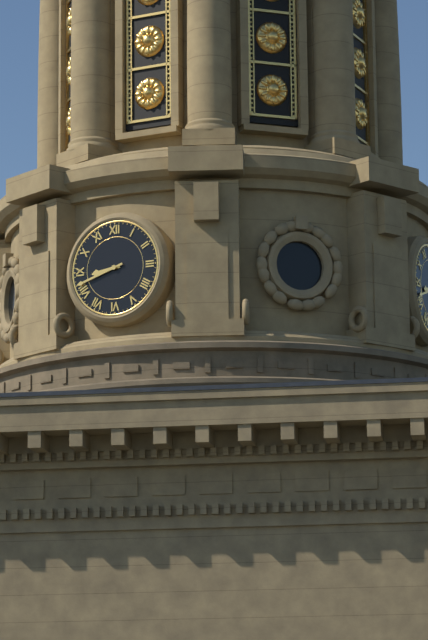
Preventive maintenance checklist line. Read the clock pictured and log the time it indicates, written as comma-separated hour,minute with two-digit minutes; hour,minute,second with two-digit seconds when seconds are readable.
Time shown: 8,42
